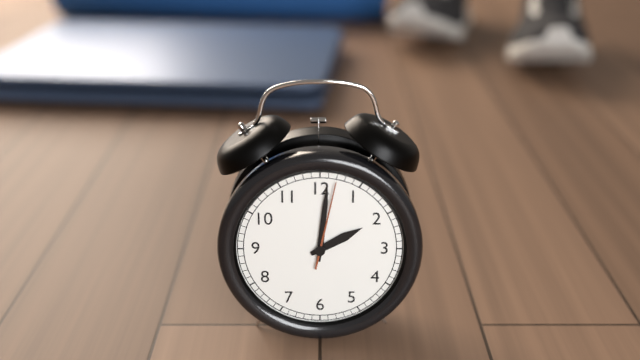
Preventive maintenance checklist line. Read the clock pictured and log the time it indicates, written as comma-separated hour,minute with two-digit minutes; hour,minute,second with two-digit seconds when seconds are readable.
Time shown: 2,01,02
